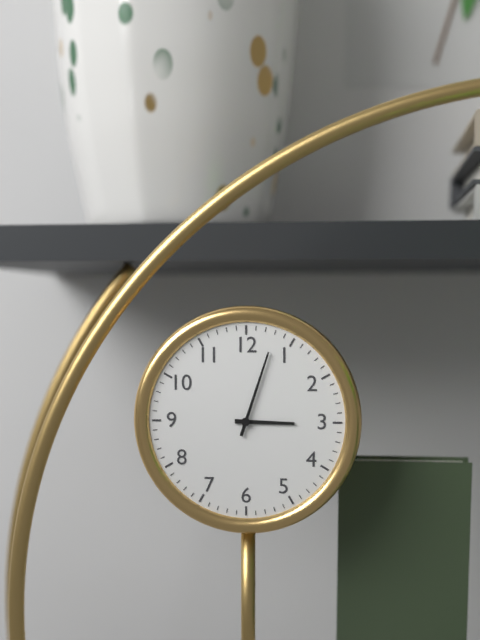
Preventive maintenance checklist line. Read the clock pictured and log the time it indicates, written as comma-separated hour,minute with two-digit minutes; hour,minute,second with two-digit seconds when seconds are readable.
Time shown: 3,03
